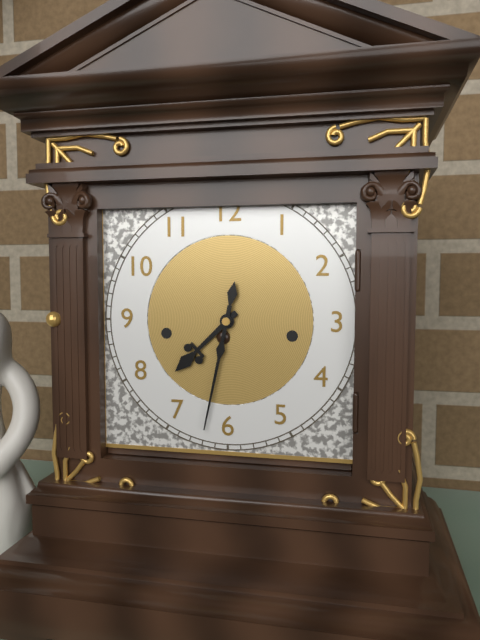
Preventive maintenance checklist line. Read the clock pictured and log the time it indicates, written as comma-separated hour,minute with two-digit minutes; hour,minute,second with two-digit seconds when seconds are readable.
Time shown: 7,32
